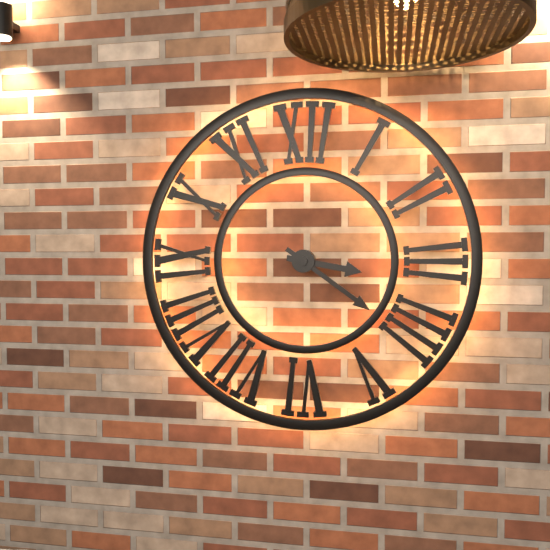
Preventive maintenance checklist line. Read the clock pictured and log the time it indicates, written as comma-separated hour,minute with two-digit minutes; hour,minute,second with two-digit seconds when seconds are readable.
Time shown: 3,21
